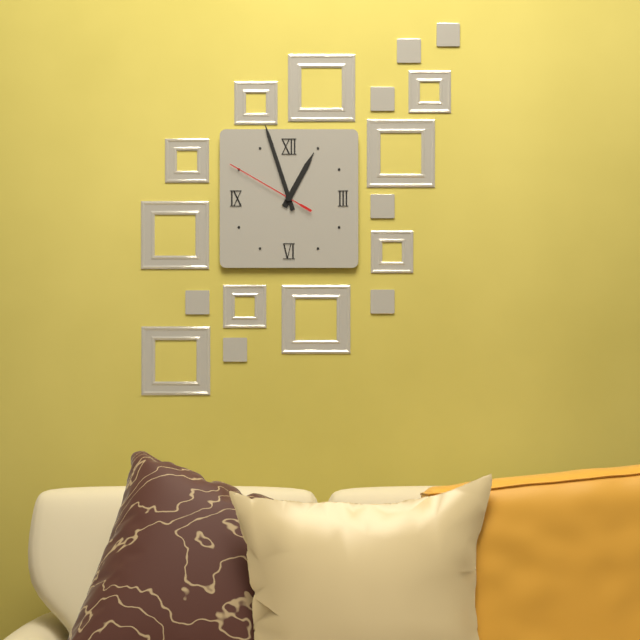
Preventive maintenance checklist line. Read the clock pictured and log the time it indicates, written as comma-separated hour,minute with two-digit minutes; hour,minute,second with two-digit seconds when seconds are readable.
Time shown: 12,57,50
